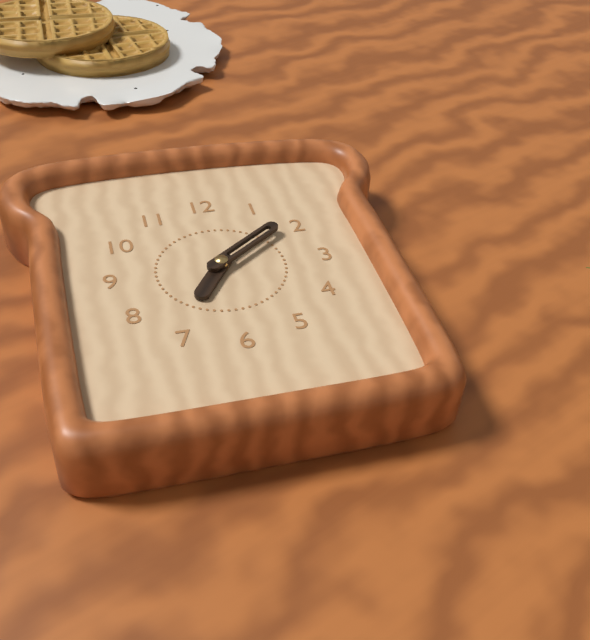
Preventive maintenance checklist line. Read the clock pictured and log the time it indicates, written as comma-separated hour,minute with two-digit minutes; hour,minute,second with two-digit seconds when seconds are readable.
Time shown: 7,09
